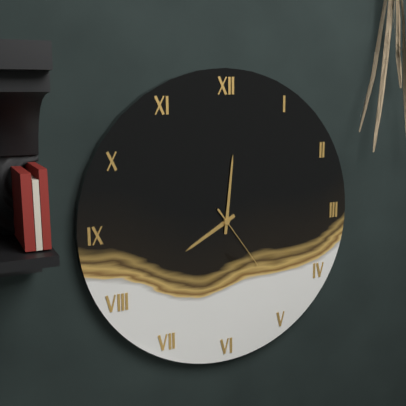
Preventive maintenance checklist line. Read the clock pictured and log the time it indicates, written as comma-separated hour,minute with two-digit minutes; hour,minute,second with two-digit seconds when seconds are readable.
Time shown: 8,01,24
